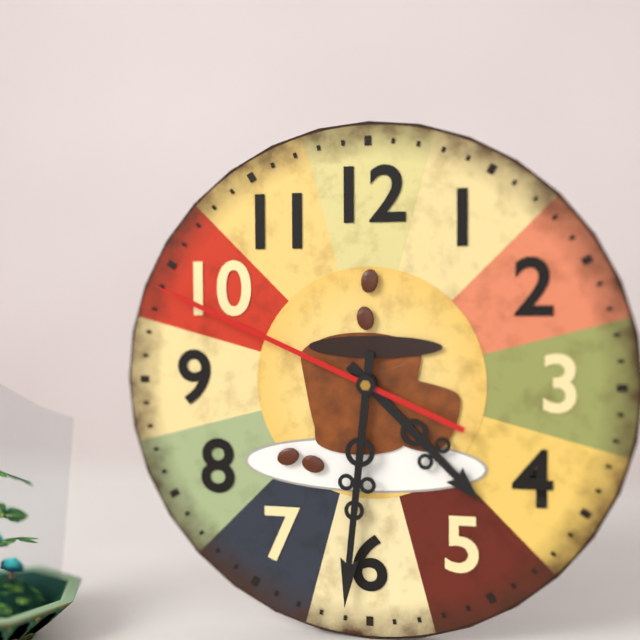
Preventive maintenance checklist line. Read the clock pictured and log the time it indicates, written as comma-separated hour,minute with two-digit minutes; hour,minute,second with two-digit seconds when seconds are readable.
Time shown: 4,31,49
